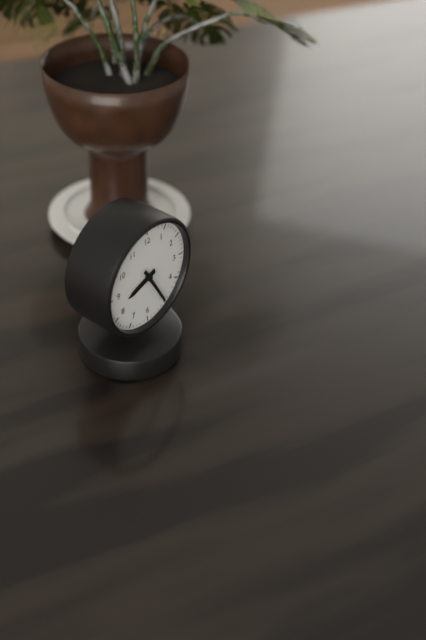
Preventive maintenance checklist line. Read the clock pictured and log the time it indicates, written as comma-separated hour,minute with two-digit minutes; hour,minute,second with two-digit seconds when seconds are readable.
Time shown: 8,25
